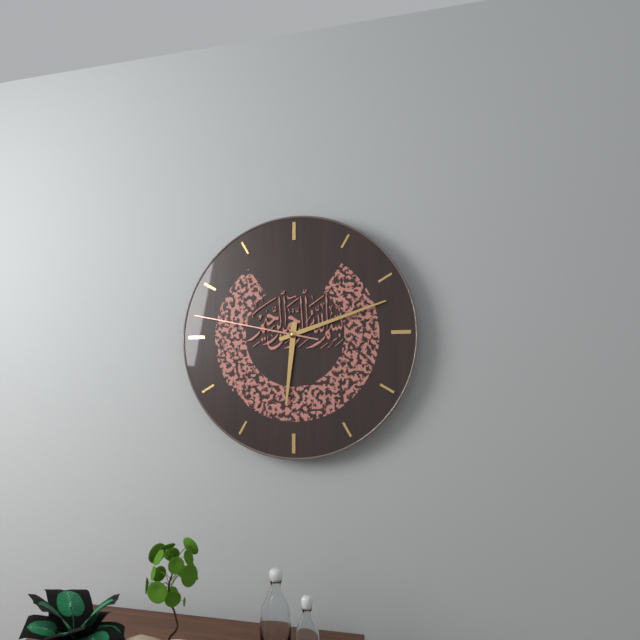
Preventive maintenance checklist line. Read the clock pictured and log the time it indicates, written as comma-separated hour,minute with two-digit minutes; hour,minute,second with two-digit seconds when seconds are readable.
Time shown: 6,12,47
